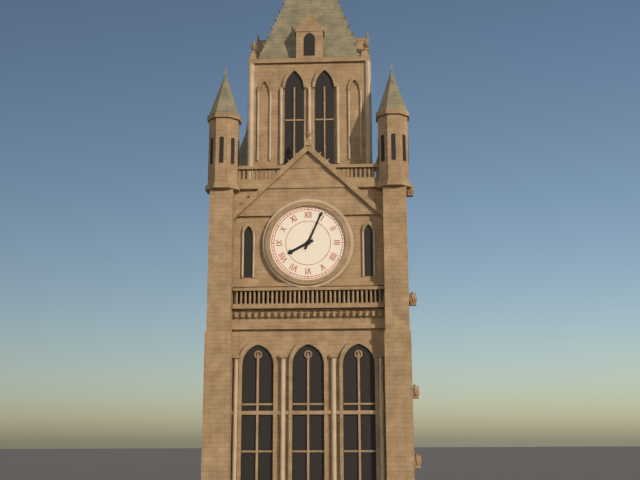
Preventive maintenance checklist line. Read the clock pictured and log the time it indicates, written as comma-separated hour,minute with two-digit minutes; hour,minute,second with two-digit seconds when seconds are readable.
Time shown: 8,04
